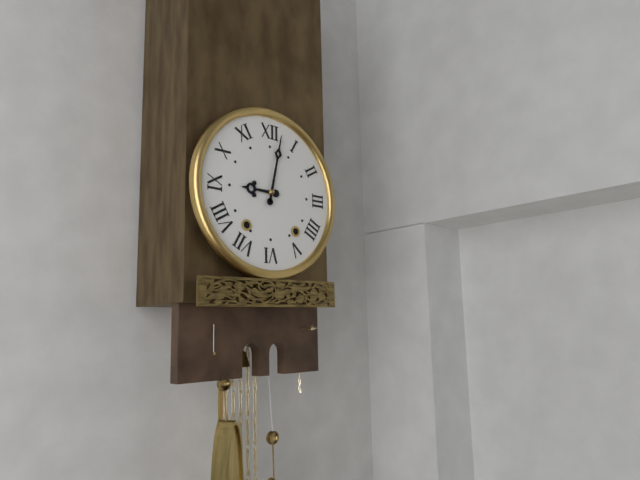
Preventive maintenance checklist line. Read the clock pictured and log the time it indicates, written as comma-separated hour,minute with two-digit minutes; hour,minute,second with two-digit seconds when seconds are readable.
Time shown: 9,02
